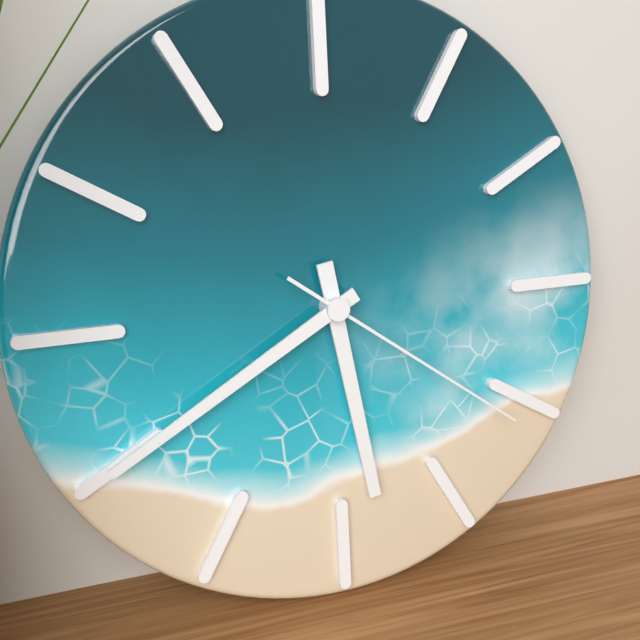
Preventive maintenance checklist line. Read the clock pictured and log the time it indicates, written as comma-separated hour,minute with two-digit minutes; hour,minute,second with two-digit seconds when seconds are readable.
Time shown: 5,40,21
